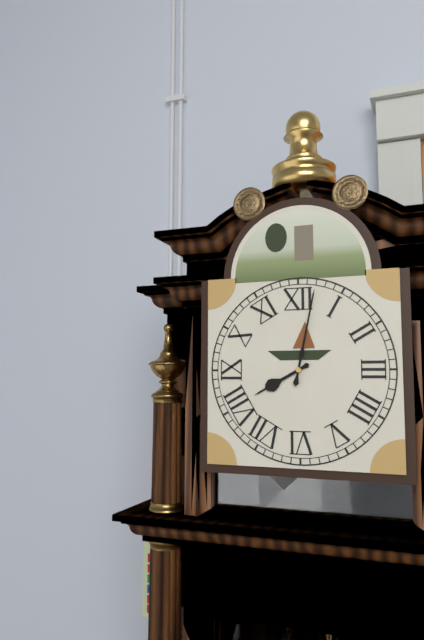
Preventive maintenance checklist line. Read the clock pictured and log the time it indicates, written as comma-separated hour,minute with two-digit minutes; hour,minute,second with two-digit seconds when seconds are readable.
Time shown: 8,02
